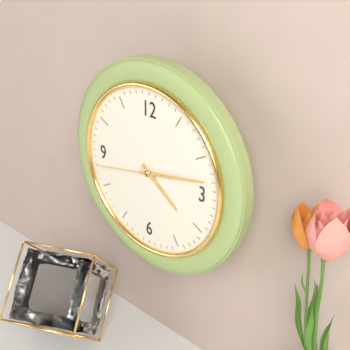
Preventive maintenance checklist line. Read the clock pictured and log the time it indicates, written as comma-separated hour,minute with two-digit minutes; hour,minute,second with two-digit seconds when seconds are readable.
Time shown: 4,13,43
